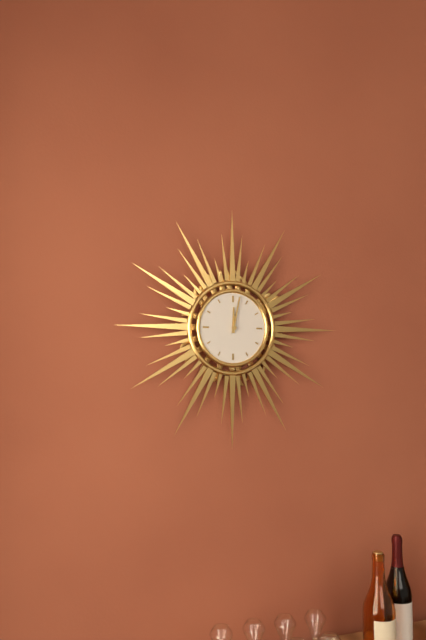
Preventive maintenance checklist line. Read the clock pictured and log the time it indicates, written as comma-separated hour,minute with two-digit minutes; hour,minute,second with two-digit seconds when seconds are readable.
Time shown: 12,02
